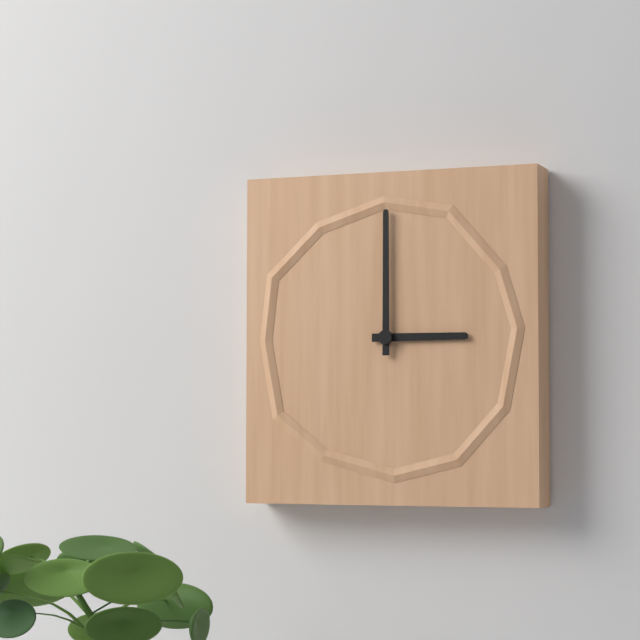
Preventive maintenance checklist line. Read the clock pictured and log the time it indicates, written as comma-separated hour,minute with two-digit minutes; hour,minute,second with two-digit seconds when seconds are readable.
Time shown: 3,00
